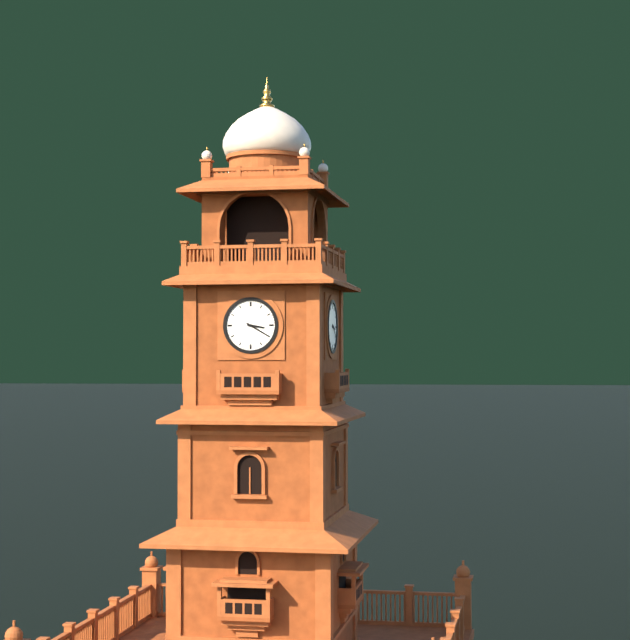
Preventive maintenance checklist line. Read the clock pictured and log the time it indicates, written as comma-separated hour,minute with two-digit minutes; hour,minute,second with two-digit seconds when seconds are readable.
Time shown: 3,20
